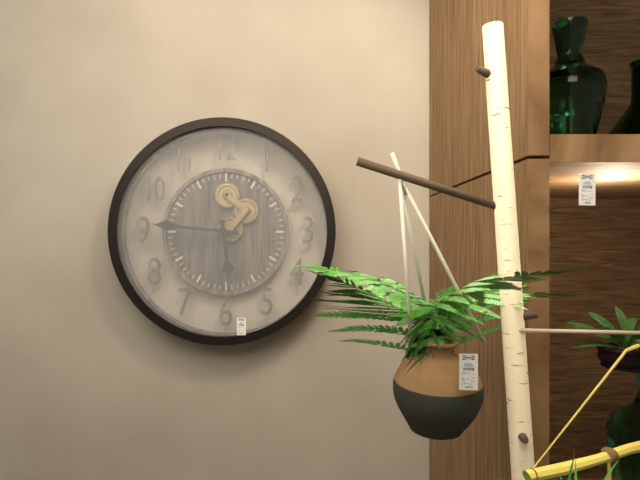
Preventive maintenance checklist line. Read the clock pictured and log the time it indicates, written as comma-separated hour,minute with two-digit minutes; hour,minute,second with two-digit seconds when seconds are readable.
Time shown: 5,46
